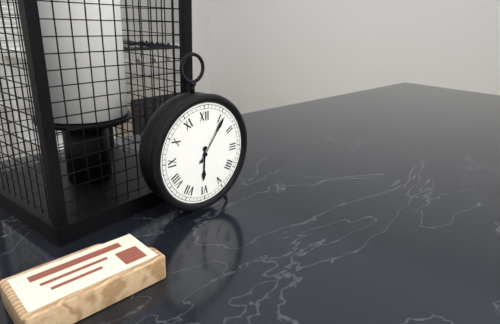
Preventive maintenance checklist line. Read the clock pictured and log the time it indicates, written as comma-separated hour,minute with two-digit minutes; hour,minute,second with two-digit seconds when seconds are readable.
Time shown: 6,06
